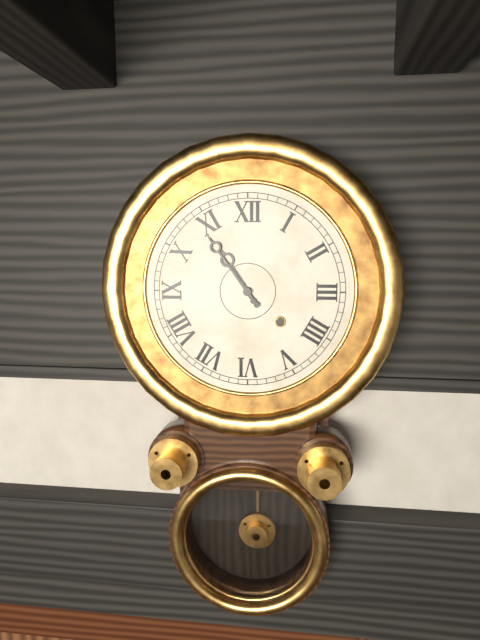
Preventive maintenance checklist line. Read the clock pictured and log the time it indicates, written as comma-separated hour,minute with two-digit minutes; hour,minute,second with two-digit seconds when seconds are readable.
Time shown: 10,54
